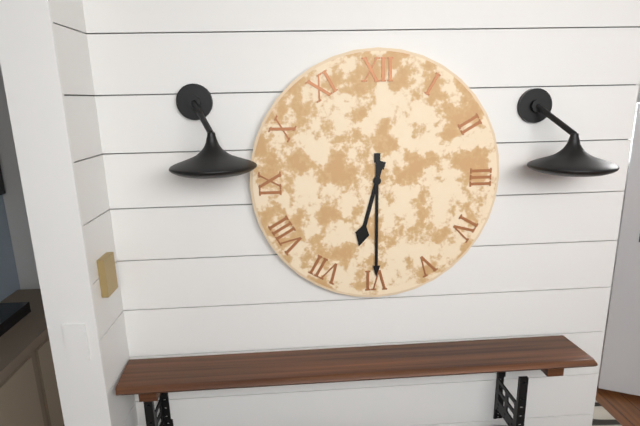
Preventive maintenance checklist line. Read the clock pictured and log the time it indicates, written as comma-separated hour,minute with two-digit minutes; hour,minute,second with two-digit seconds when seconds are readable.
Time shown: 6,30
